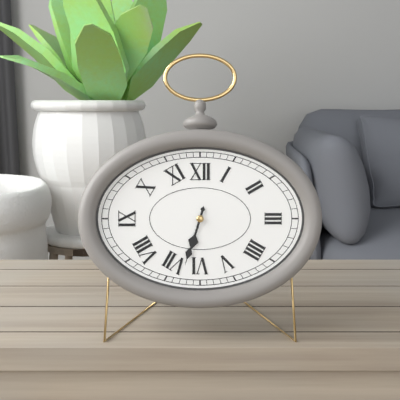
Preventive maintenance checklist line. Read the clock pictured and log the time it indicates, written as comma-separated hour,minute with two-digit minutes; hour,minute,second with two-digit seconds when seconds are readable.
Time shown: 6,33
